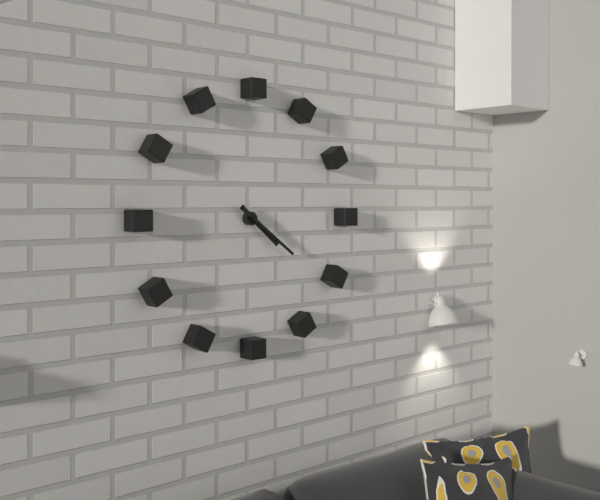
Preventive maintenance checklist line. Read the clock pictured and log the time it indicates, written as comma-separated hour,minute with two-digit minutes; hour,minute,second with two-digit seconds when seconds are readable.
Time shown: 4,21
